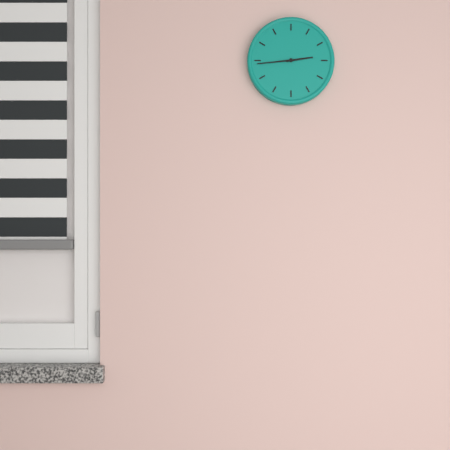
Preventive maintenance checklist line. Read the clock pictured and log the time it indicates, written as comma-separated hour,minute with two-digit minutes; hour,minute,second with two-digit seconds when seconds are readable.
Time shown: 2,44
